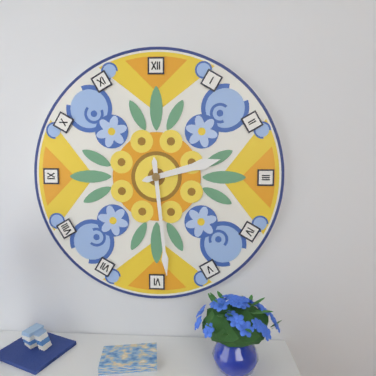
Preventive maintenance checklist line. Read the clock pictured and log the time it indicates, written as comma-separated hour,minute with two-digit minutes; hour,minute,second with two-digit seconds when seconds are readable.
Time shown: 2,29
